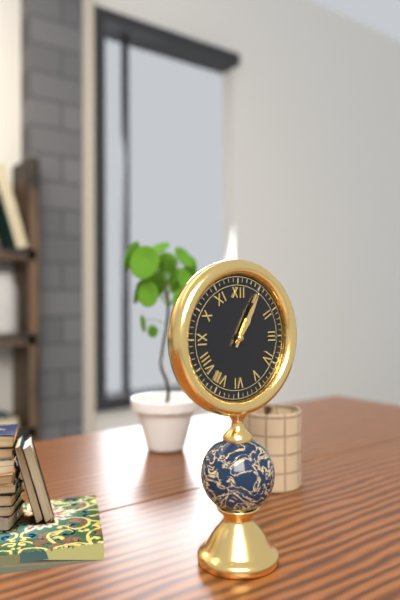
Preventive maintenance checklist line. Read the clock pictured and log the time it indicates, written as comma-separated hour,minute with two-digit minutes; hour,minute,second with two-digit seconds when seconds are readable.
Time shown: 1,05
